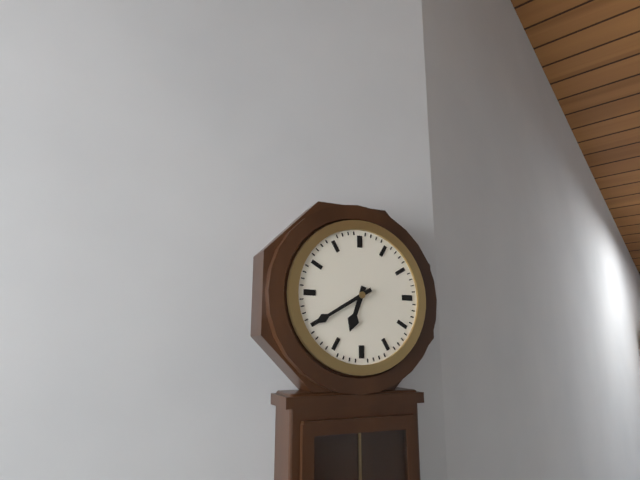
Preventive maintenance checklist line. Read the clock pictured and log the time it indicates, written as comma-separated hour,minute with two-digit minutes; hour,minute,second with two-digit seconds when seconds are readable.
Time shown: 6,40
